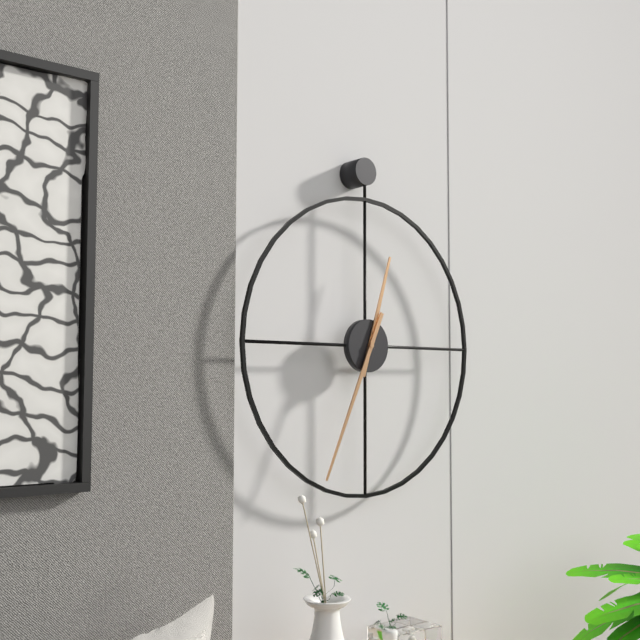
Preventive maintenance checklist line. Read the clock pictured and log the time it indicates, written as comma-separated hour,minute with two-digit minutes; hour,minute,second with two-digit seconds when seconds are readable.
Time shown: 12,34
